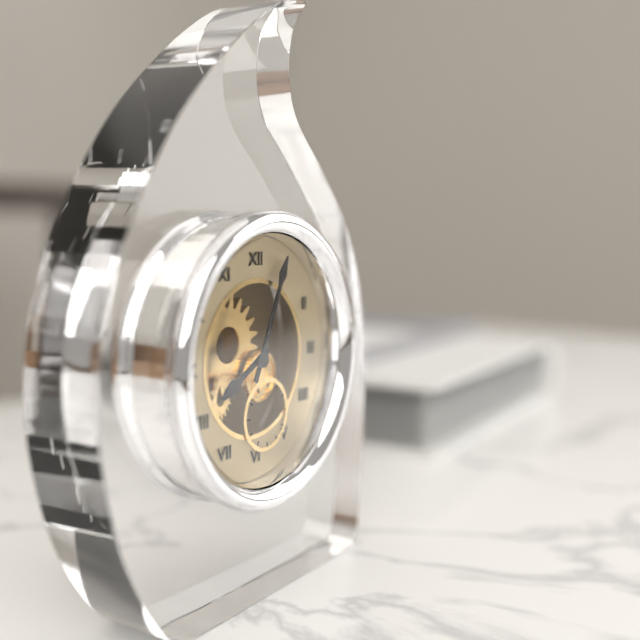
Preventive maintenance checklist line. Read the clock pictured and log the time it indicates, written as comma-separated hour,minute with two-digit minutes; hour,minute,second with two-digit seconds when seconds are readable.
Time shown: 8,04
